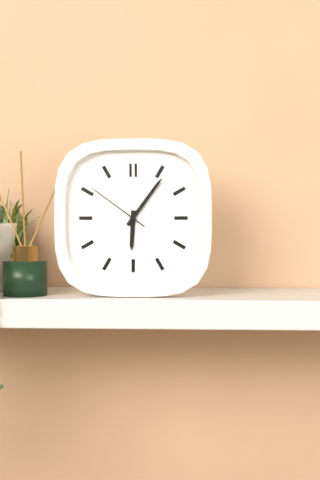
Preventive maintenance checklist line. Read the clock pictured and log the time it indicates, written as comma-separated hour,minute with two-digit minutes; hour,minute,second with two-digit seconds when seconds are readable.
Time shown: 6,06,51
